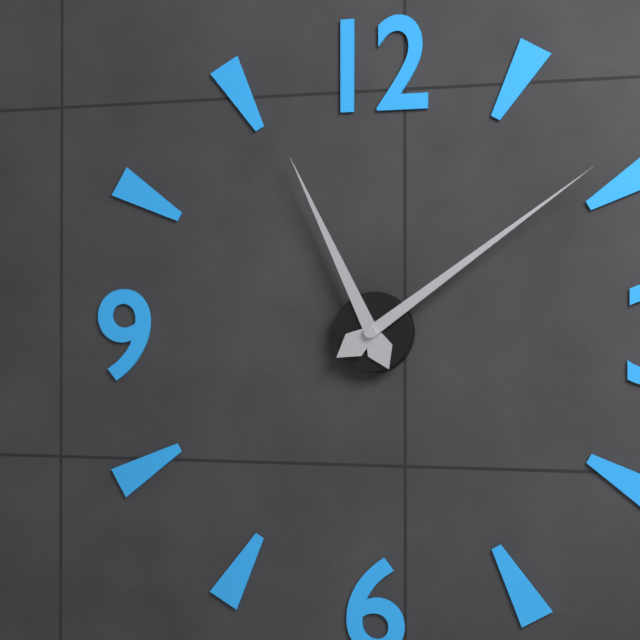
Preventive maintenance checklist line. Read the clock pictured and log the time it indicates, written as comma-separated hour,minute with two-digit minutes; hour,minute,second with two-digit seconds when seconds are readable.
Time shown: 11,09
